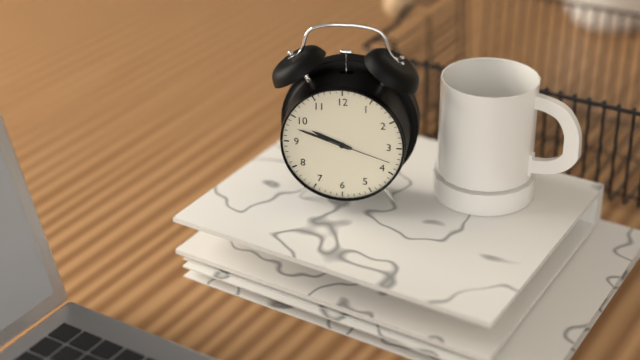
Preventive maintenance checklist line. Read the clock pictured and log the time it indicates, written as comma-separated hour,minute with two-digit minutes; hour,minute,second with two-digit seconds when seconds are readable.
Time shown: 9,48,18
